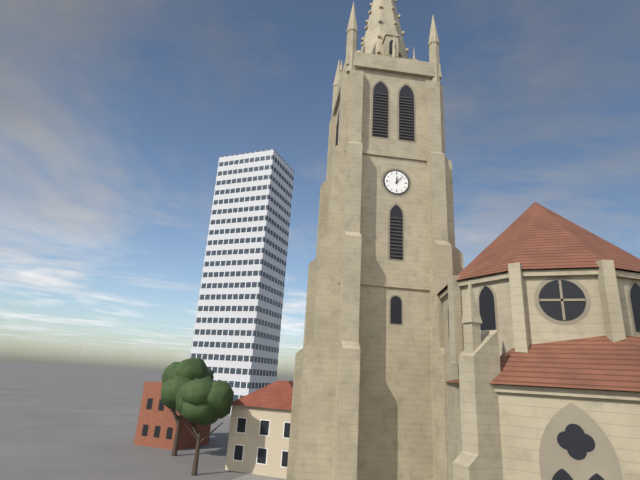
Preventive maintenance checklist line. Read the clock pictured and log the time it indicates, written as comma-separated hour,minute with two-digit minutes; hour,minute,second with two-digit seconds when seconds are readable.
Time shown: 12,07
